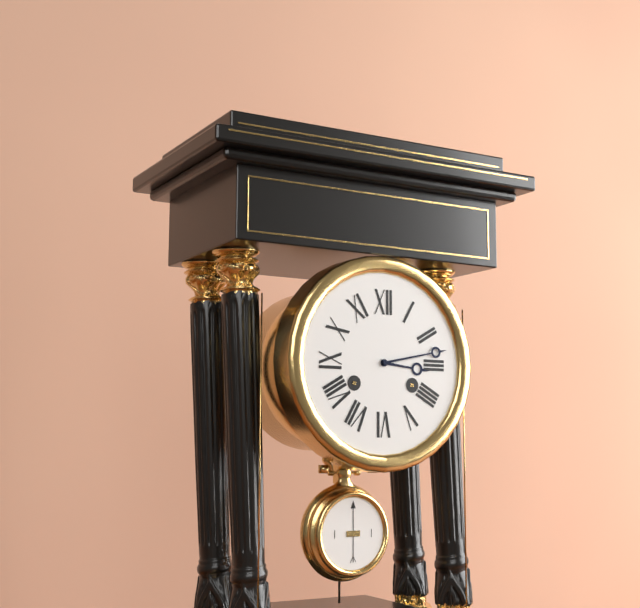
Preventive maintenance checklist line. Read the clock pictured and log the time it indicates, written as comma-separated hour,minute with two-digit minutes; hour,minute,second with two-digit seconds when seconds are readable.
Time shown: 3,13
